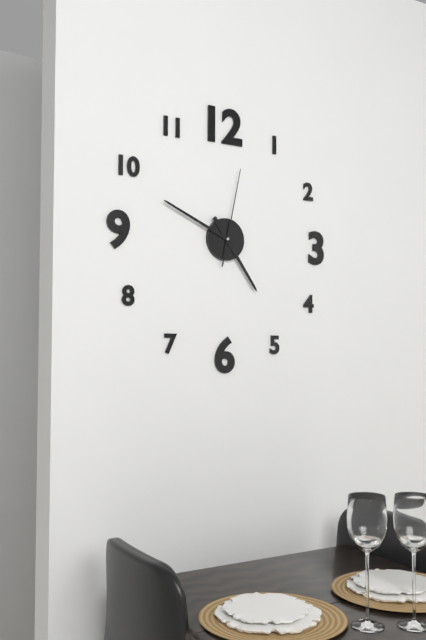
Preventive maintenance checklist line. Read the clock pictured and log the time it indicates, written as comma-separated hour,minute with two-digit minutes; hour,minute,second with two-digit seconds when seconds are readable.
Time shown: 4,49,02
